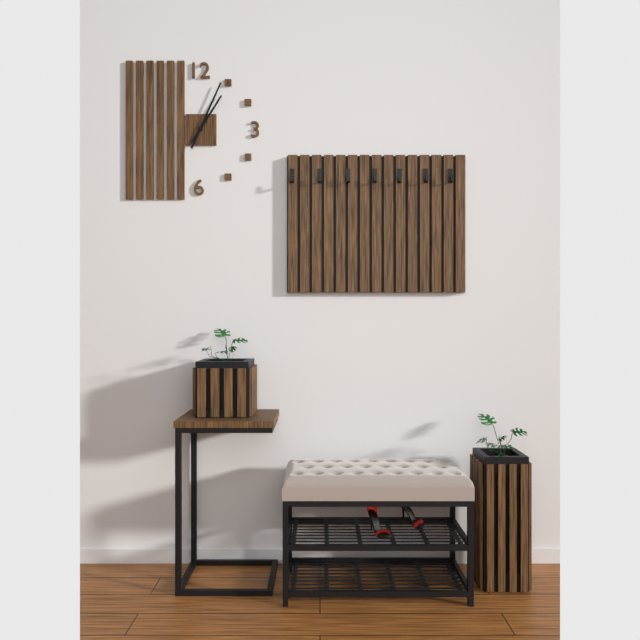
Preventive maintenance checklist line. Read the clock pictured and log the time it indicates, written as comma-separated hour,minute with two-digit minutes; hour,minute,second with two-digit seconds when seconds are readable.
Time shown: 1,04
